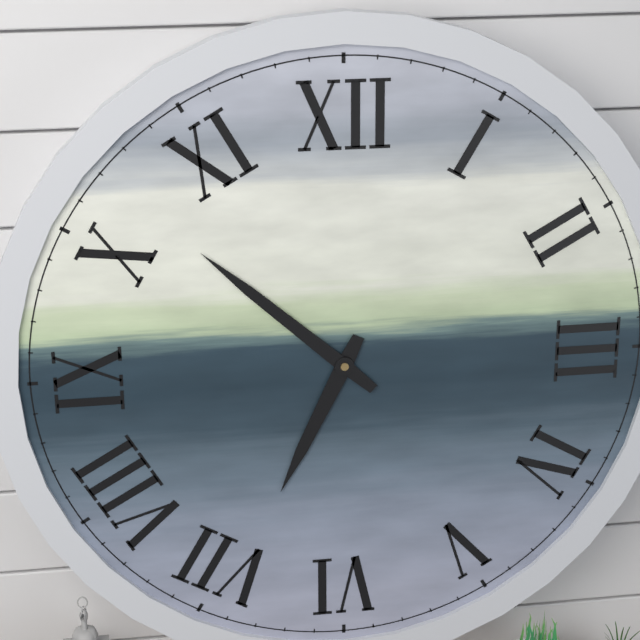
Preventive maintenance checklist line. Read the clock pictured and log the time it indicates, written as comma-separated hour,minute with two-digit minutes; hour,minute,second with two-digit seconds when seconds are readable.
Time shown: 6,52
